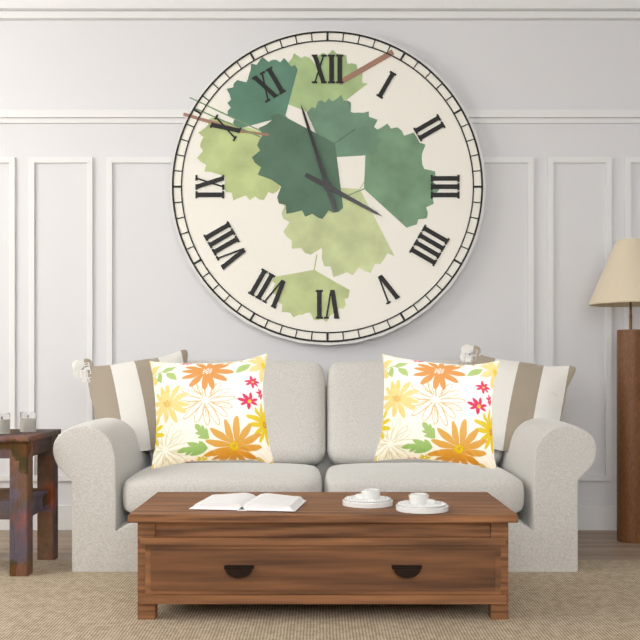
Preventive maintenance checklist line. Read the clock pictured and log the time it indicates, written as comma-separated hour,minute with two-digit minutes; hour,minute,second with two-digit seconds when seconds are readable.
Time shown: 3,57
